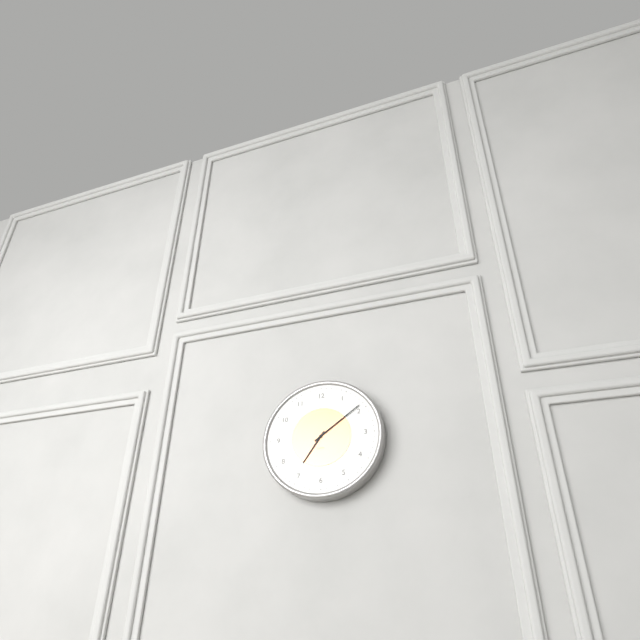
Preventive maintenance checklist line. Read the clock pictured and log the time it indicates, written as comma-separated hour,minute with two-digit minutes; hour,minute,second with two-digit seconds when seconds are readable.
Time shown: 7,09
